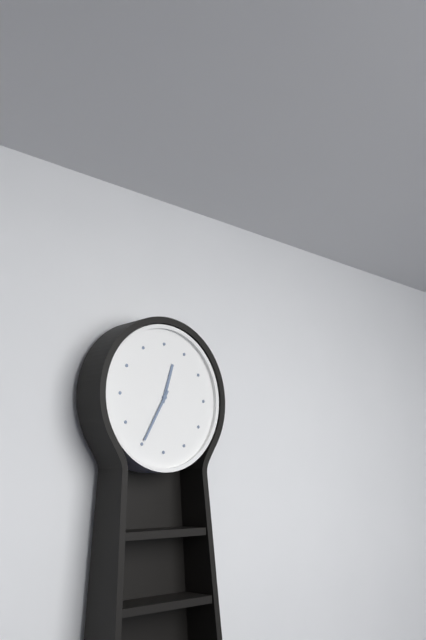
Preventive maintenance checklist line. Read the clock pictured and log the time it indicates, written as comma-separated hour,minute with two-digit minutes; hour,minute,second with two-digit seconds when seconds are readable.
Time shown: 12,35
